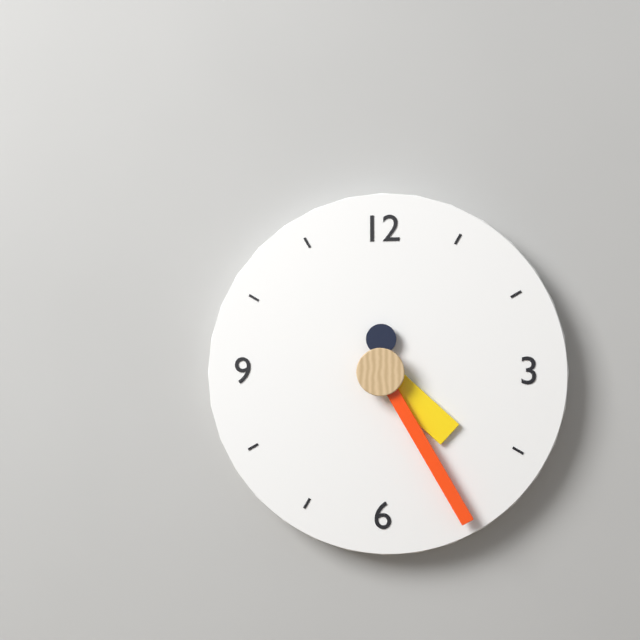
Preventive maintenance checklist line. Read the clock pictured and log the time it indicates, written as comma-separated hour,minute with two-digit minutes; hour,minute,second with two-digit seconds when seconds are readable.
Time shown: 4,25
